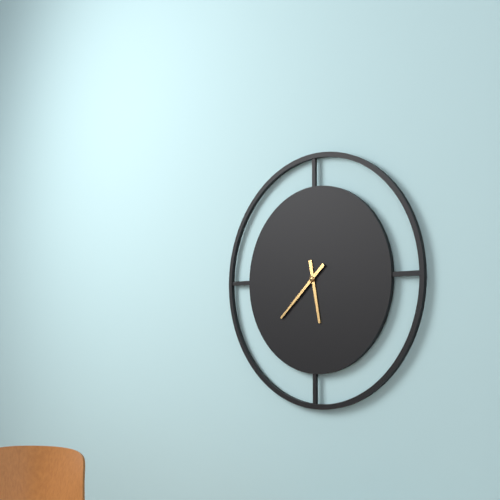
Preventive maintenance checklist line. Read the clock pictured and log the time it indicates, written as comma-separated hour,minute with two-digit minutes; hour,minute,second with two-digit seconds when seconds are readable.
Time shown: 5,38
